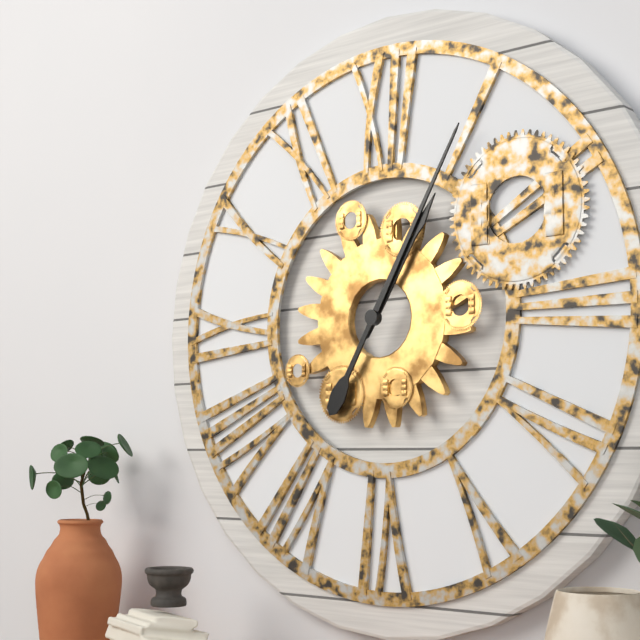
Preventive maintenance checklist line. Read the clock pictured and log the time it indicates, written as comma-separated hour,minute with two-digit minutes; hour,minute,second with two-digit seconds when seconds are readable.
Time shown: 1,05
